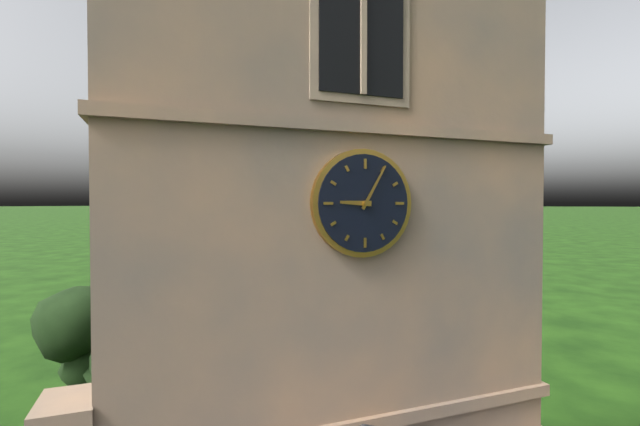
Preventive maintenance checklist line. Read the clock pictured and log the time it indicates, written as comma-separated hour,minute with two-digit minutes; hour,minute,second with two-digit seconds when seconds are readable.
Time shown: 9,05
